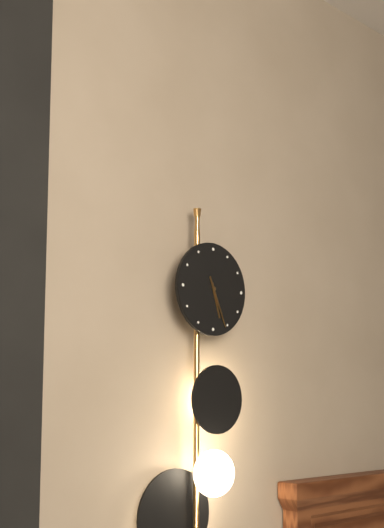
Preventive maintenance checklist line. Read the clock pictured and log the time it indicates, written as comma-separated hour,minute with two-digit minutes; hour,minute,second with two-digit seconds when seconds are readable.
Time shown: 5,26
